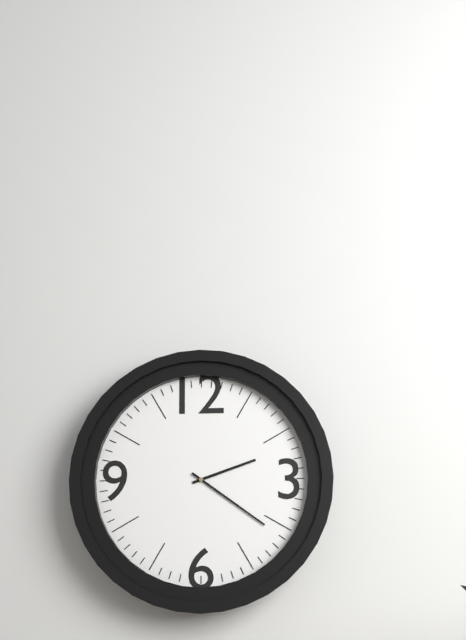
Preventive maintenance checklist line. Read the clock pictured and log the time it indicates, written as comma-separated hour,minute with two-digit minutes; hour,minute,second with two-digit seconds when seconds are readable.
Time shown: 2,21
